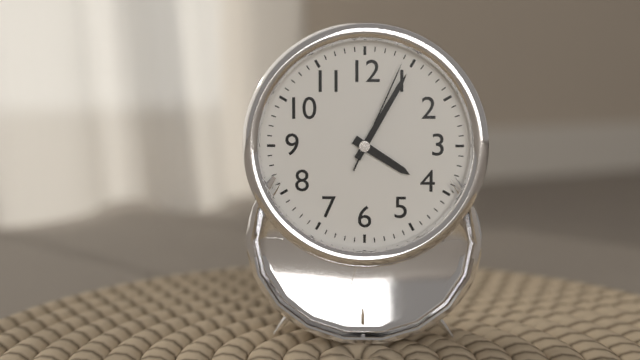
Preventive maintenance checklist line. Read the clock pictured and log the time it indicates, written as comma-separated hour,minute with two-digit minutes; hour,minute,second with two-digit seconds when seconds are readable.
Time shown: 4,05,04
